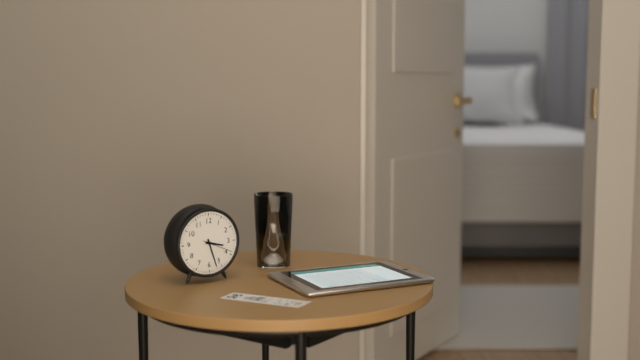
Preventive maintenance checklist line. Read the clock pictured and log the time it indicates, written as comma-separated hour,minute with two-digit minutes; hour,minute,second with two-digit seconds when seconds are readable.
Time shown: 3,27
